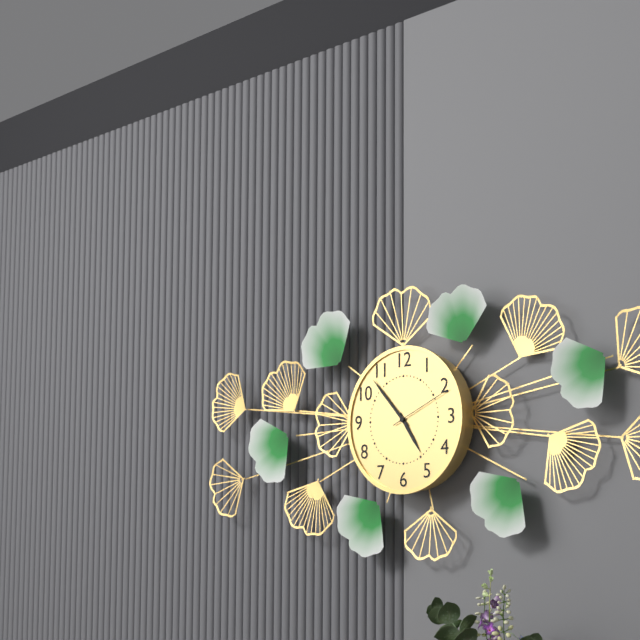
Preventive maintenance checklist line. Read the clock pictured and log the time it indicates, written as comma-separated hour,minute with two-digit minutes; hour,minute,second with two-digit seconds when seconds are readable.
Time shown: 4,53,11
